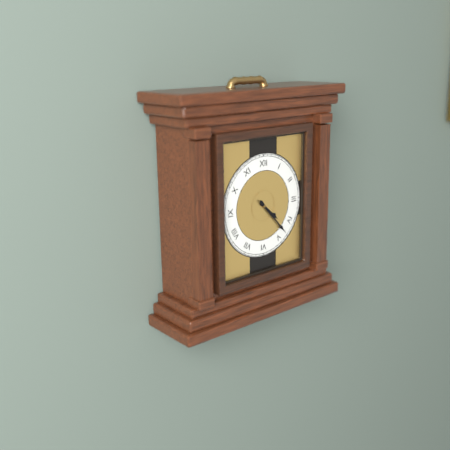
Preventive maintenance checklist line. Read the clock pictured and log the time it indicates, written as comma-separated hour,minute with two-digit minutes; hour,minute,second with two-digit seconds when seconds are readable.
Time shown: 4,23
